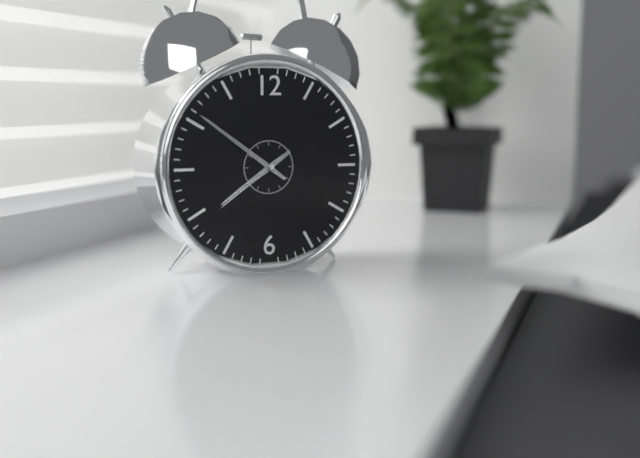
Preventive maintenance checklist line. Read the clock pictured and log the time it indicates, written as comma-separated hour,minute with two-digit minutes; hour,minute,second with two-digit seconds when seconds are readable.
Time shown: 7,51,39
